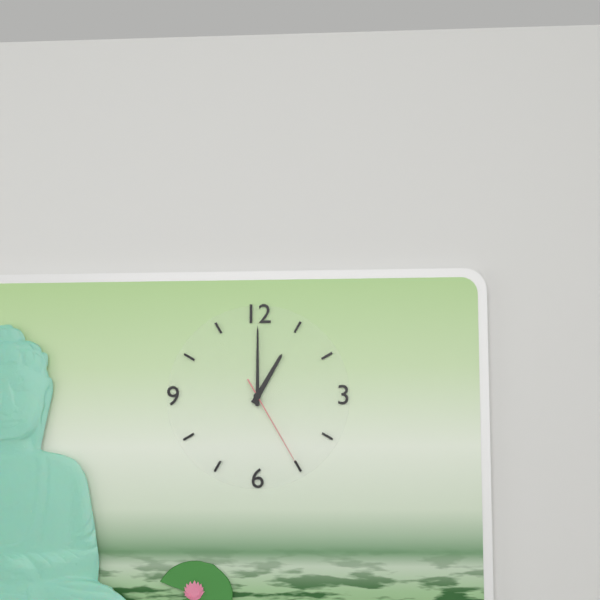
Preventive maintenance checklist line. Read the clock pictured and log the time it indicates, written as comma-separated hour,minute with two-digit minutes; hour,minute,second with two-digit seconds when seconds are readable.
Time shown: 1,00,25
